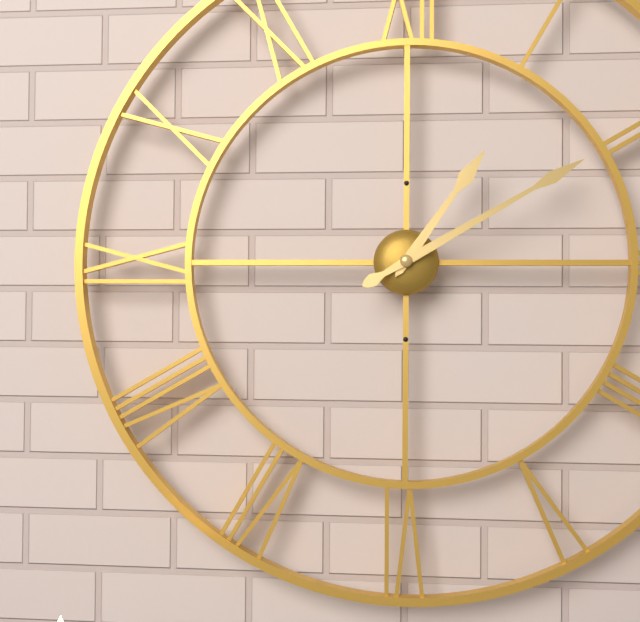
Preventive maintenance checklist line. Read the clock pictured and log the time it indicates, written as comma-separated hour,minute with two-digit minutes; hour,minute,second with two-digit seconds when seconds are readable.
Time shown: 1,10
